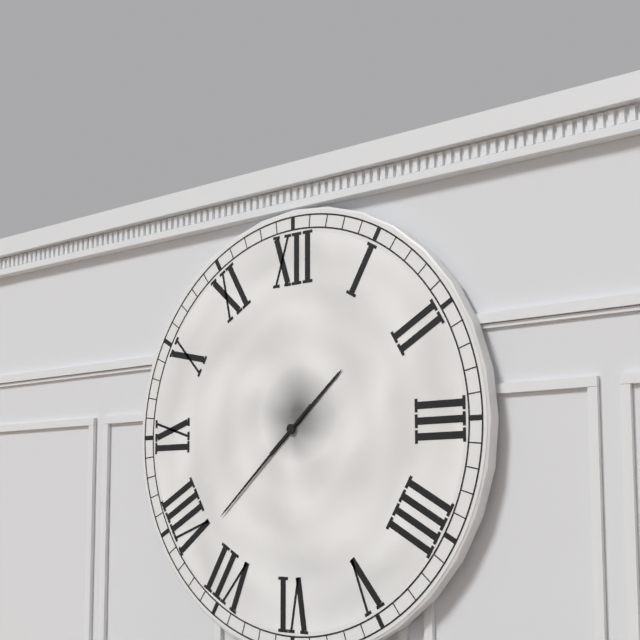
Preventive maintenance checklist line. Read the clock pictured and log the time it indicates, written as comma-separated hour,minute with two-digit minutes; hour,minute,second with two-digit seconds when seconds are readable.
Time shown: 1,38
